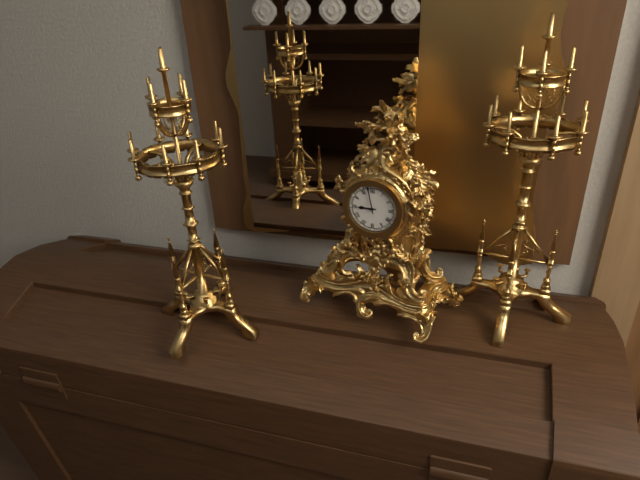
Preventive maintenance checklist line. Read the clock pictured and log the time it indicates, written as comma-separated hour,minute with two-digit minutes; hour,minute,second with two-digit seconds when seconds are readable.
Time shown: 8,58
